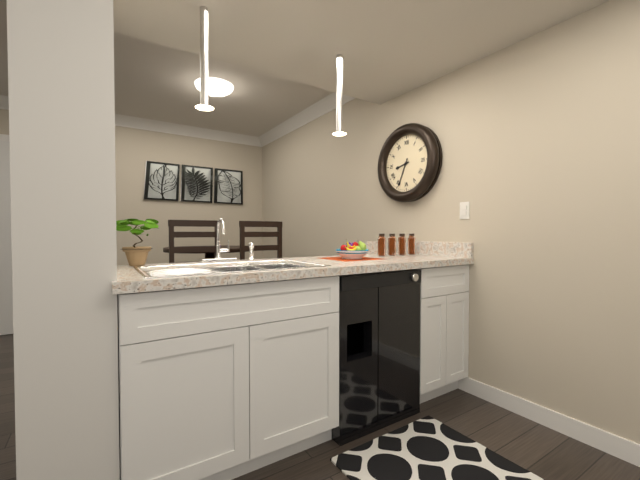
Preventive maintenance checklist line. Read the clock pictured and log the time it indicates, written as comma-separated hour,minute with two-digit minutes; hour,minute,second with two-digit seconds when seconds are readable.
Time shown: 8,34
